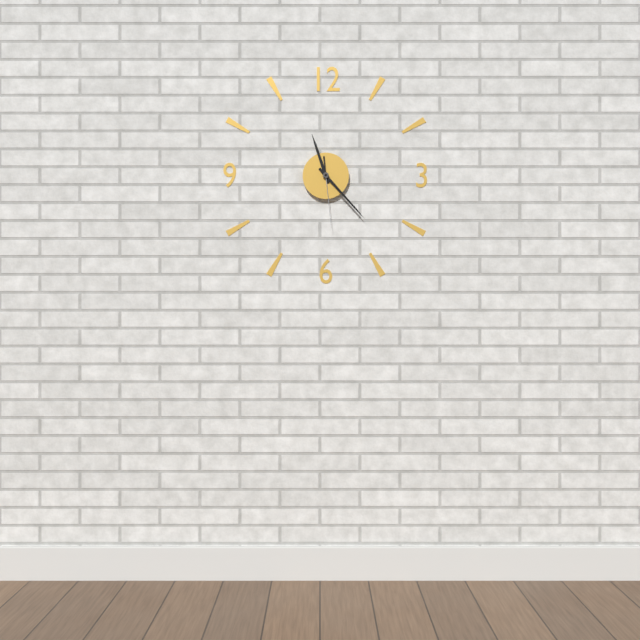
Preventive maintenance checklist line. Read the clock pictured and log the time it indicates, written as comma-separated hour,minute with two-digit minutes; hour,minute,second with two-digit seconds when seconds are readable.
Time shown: 11,23,29
